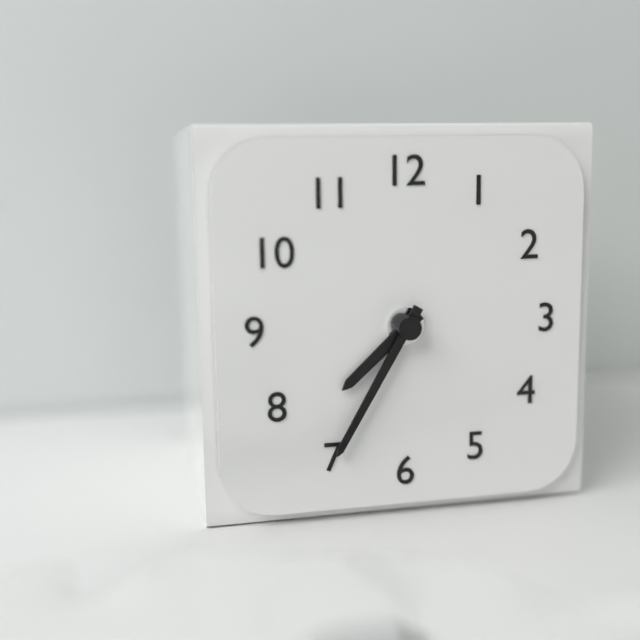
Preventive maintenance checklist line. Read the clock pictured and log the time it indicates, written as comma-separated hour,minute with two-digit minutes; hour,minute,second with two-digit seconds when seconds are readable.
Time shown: 7,35
